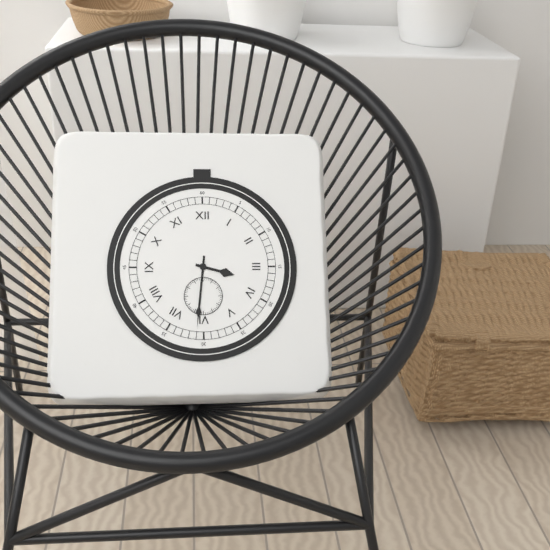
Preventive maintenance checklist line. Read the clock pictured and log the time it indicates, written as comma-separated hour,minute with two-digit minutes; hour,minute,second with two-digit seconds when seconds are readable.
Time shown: 3,31
